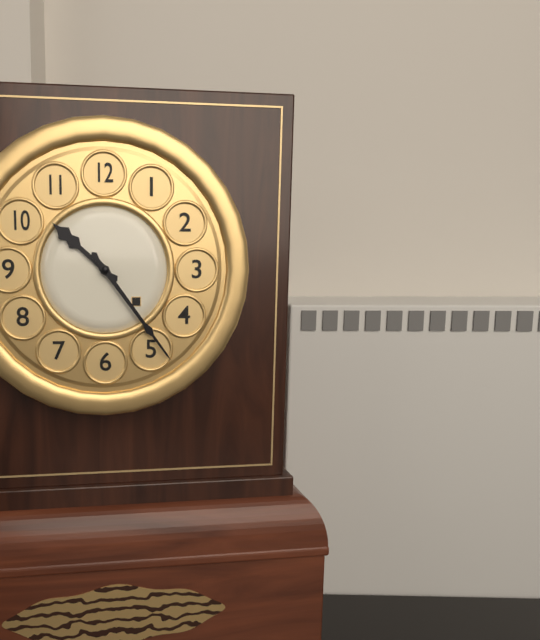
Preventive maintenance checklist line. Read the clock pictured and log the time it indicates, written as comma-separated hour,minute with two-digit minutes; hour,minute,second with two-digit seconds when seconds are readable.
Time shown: 10,24
